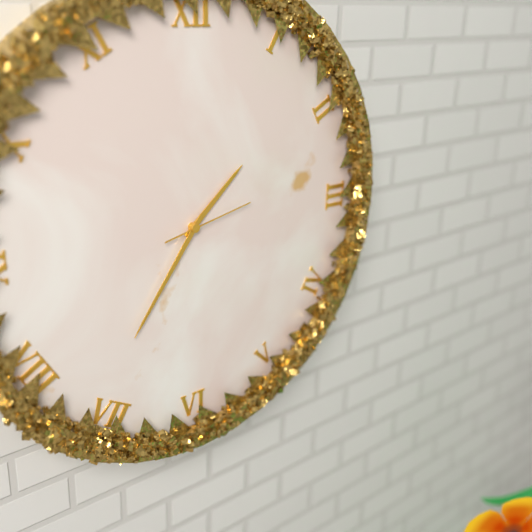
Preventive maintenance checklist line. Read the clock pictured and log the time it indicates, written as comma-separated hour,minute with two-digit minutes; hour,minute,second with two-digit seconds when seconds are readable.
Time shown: 1,36,13
